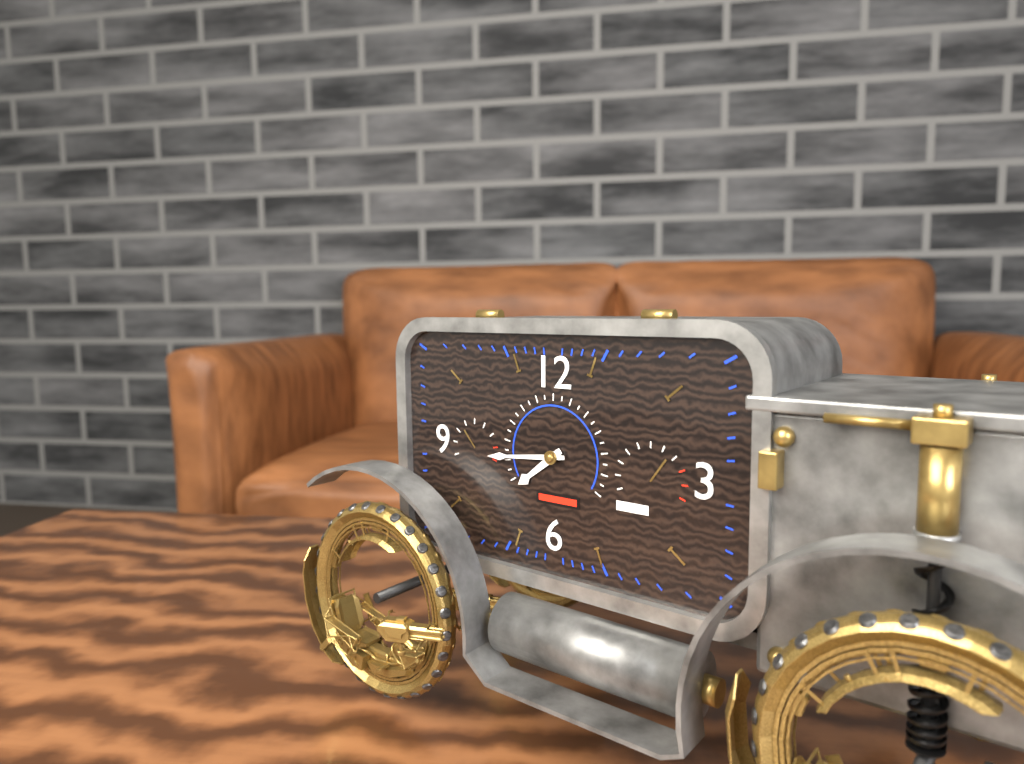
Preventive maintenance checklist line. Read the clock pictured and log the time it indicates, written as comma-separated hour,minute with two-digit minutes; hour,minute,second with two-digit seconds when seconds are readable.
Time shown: 7,44
